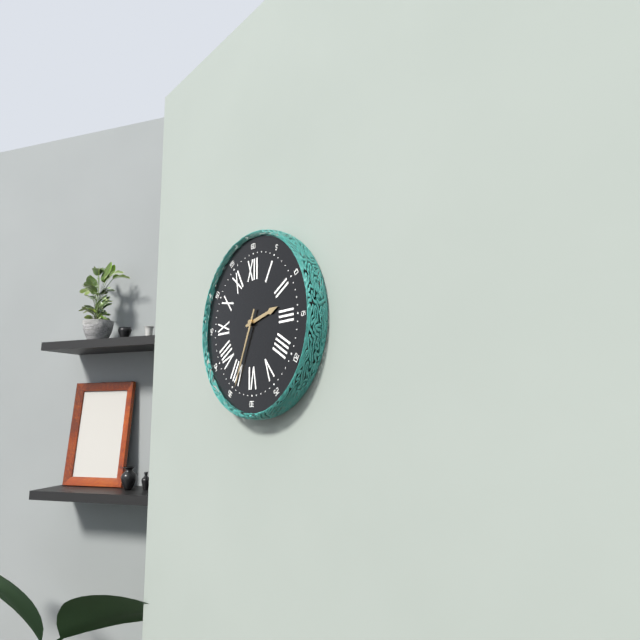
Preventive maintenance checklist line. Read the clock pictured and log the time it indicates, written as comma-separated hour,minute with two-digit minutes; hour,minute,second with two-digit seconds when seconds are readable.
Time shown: 2,34
